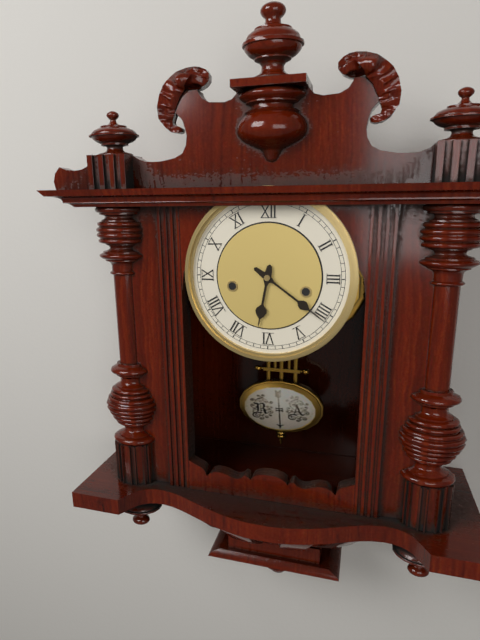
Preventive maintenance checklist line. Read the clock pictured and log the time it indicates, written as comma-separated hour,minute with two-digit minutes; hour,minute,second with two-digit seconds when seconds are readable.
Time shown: 6,21
